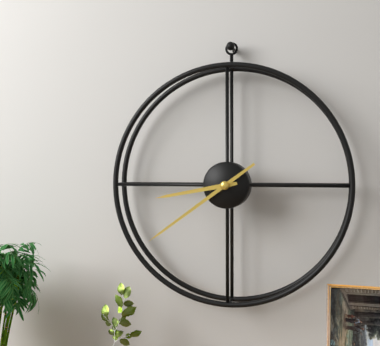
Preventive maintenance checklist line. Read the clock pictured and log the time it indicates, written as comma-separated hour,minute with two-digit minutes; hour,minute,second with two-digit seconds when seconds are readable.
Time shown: 8,39
